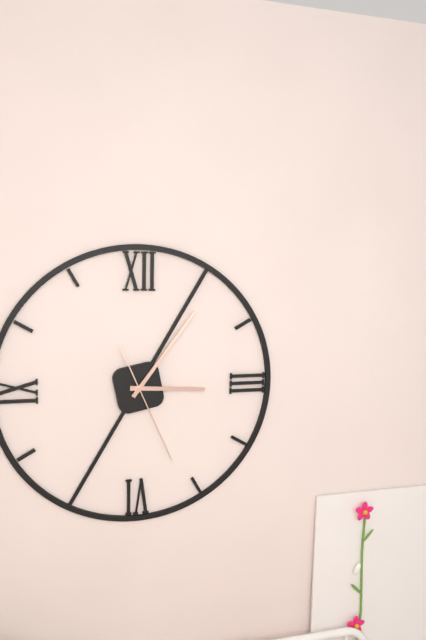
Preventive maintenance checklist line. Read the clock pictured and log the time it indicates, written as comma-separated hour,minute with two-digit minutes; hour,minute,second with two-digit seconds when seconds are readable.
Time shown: 3,06,26
